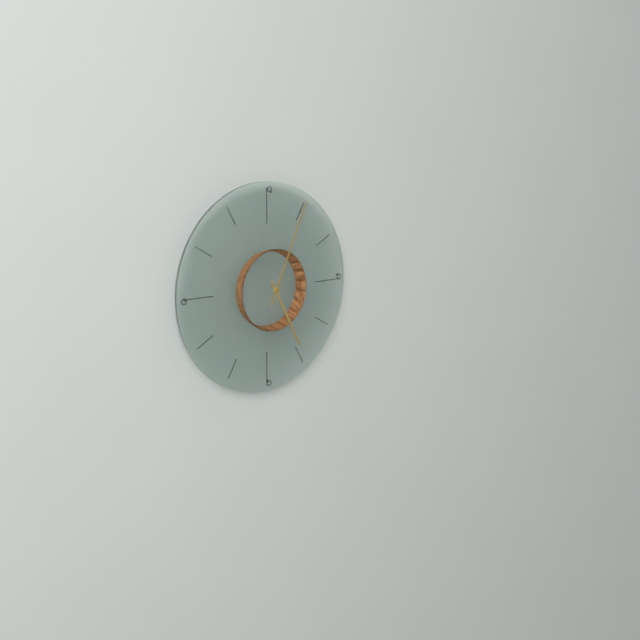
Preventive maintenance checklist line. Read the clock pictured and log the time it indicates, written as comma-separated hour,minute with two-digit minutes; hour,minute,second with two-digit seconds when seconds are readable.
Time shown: 5,04
